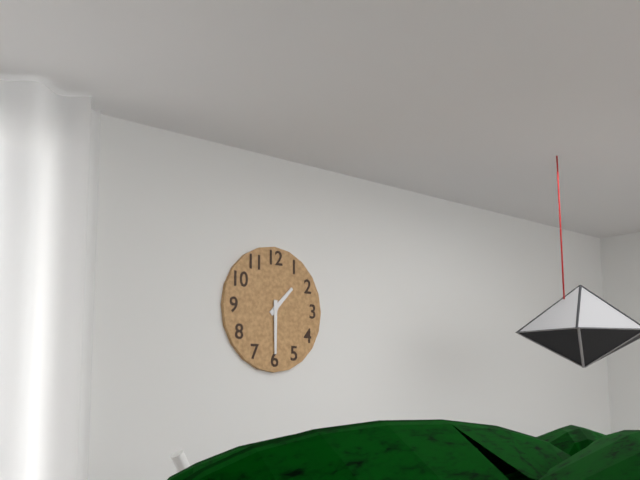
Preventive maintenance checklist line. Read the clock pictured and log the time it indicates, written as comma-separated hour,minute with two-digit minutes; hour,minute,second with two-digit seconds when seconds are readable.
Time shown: 1,30
